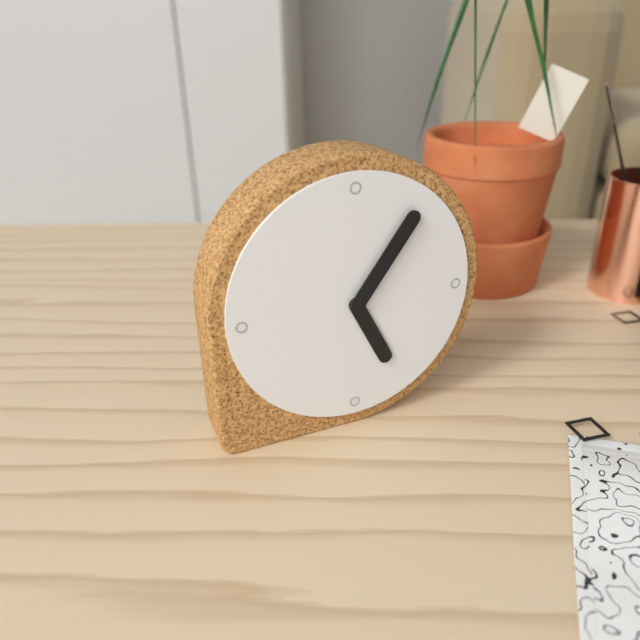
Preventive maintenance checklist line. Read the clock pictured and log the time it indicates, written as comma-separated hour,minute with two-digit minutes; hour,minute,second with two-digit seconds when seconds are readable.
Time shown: 5,06
